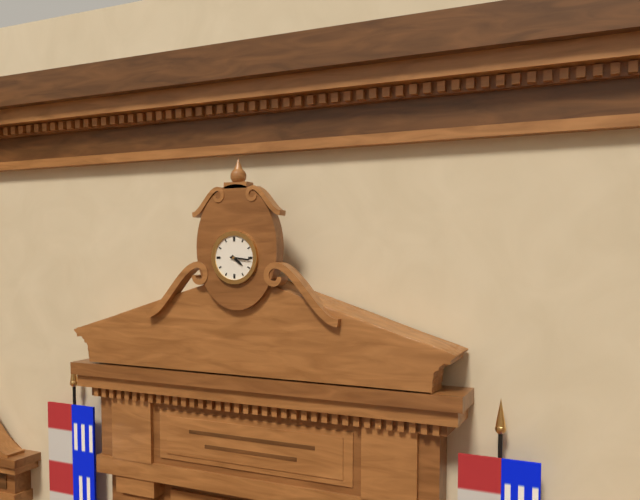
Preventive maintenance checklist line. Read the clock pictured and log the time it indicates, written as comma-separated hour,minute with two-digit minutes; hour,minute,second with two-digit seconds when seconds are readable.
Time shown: 4,16
